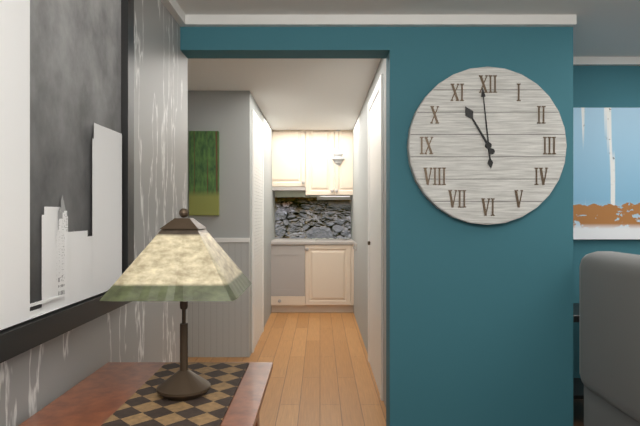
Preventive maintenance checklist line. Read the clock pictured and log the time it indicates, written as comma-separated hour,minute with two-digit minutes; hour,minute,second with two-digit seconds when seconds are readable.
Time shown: 10,59
